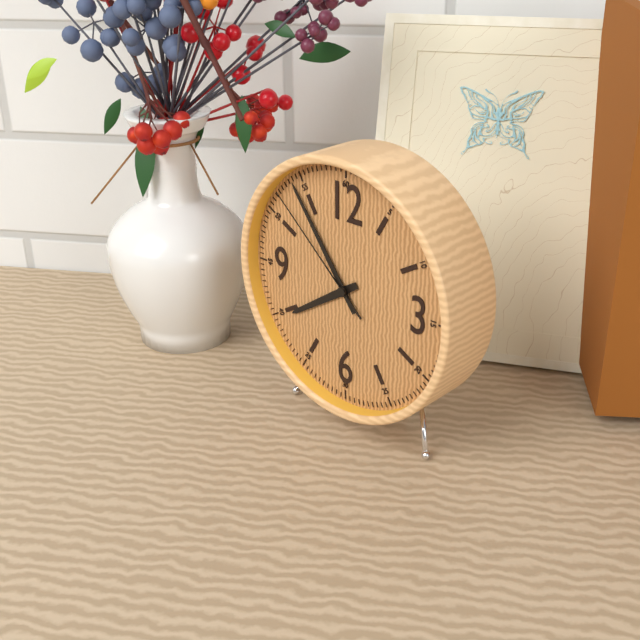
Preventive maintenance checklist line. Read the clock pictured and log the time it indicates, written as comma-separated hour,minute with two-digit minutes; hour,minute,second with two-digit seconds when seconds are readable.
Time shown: 7,54,52
